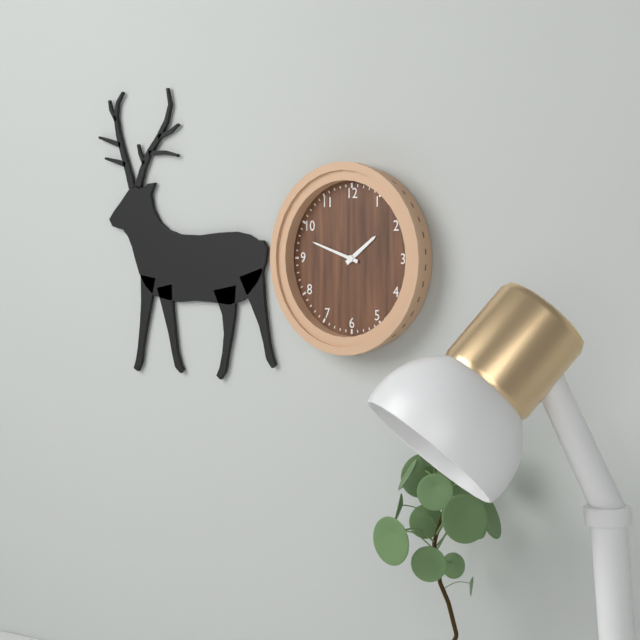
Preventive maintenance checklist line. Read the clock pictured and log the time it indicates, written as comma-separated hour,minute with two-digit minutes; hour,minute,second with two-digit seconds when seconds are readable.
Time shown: 1,48
